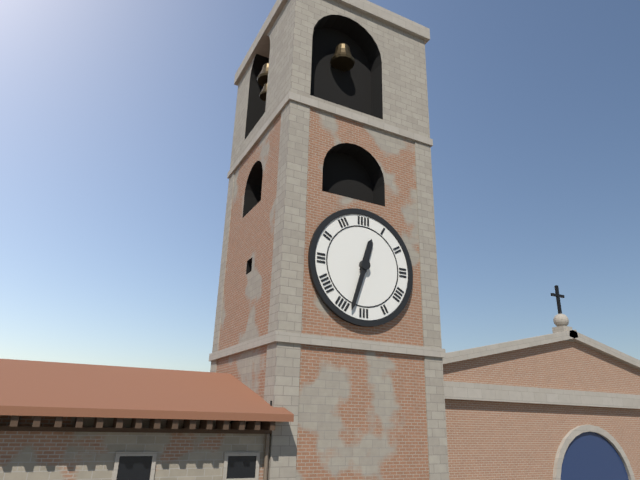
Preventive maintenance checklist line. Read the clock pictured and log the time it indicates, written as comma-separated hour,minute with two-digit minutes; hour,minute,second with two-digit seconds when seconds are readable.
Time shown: 12,33
